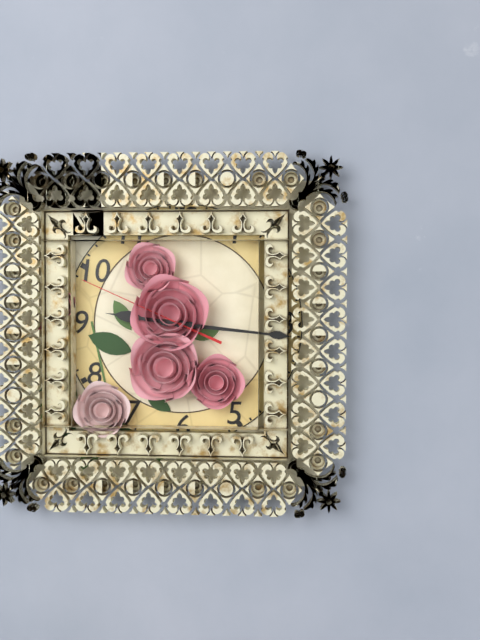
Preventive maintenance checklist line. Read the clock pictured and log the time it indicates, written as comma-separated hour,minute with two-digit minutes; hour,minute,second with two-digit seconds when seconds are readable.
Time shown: 9,16,49
